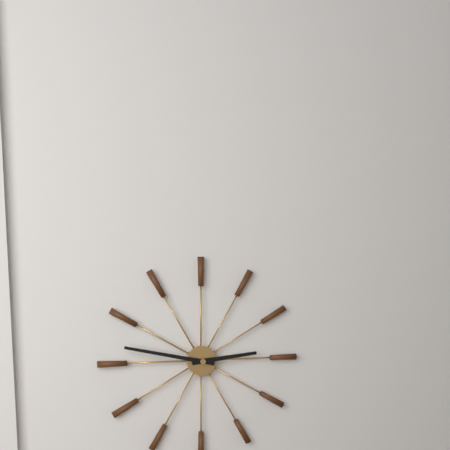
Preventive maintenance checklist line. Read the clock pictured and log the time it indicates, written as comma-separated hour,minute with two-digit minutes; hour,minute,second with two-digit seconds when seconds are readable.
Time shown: 2,47
